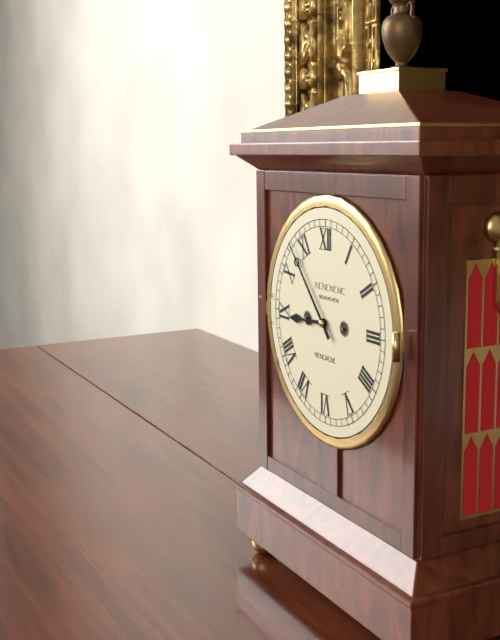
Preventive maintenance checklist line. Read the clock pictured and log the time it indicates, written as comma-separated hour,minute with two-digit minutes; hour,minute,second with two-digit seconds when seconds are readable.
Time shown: 8,53
